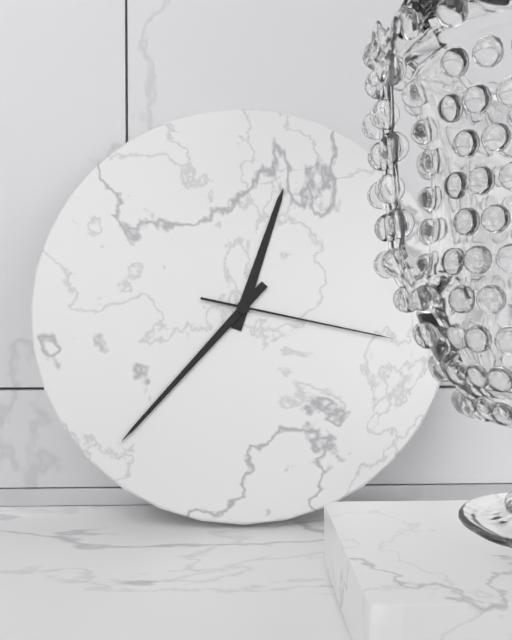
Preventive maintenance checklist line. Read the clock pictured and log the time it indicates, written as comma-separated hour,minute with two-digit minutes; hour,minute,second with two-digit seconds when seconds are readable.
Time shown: 12,37,17
